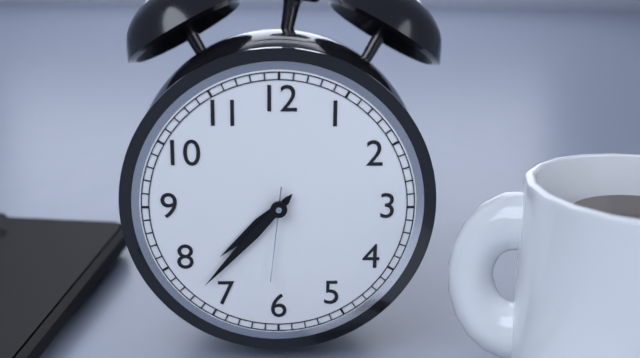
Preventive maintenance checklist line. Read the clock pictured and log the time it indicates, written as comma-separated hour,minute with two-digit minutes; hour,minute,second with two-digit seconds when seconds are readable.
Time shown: 7,37,31
